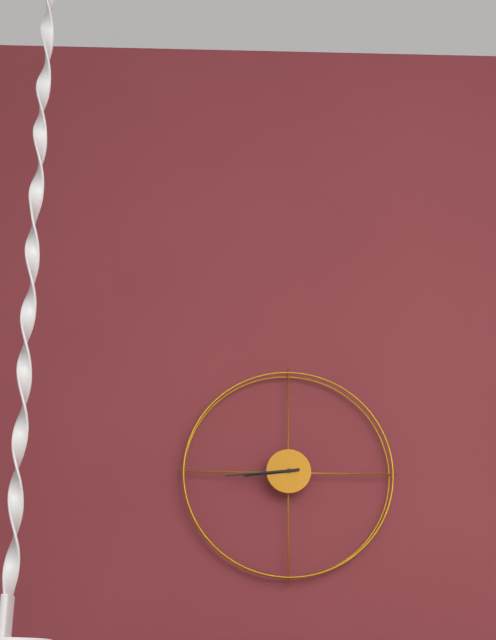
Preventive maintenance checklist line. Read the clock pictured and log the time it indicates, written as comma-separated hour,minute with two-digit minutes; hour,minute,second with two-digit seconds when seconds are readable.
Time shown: 8,44
